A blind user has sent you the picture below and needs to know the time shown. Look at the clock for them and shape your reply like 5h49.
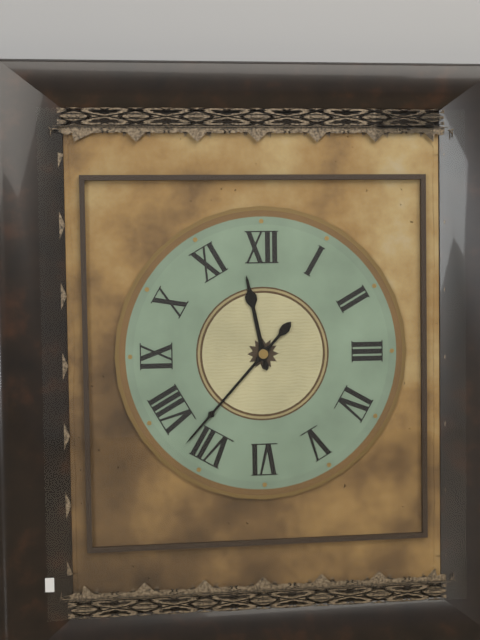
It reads 11h37
